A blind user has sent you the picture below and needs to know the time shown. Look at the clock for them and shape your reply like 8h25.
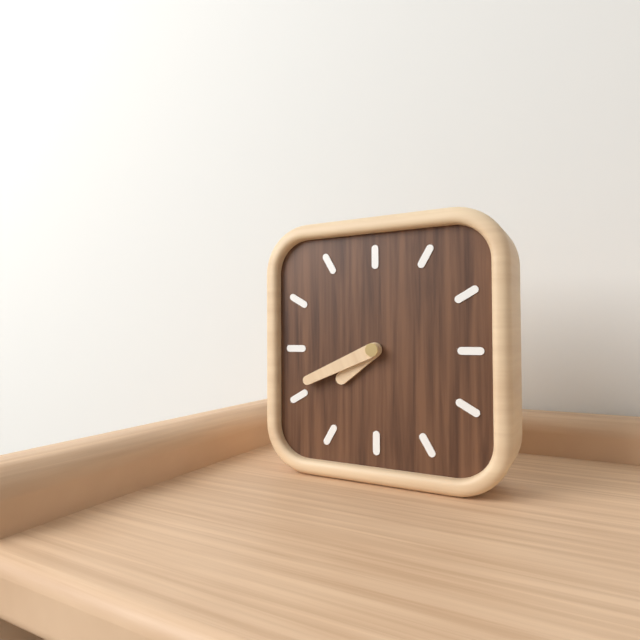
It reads 7h41
